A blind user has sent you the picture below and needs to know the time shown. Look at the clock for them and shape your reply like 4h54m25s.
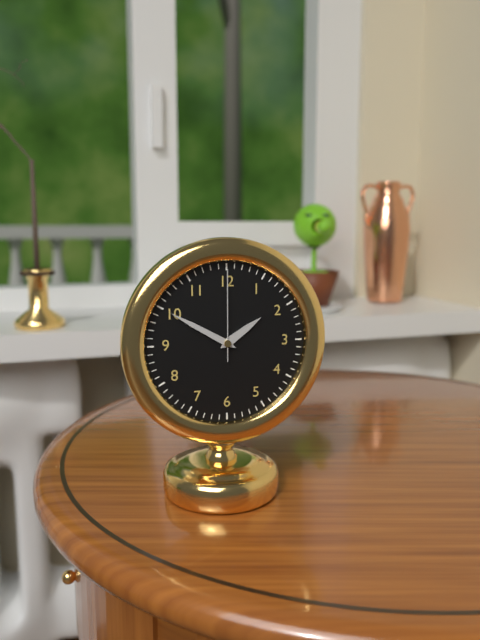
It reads 1h50m00s
